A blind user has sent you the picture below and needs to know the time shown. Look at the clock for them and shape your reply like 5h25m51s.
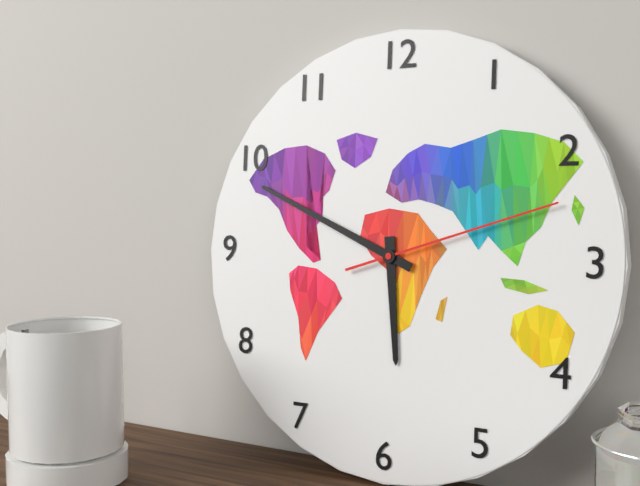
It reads 5h49m12s
